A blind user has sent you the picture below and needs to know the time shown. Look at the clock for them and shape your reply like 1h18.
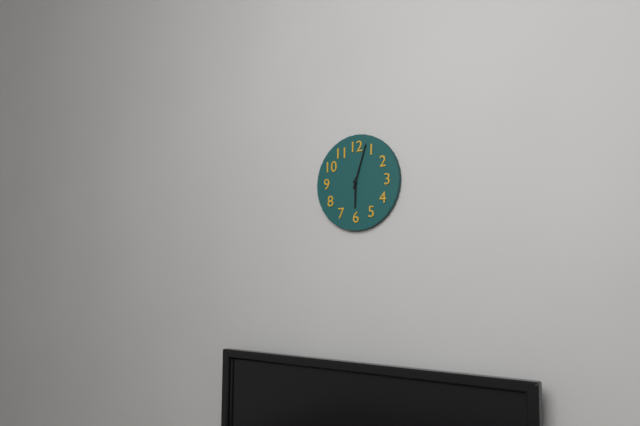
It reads 6h03
